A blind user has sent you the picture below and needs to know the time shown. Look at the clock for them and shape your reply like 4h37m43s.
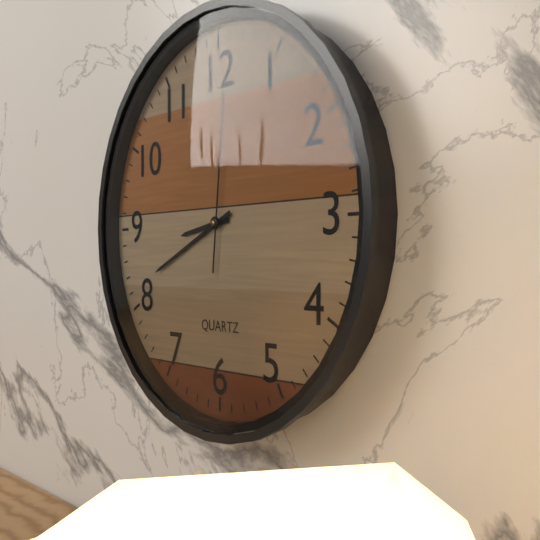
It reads 8h41m01s
